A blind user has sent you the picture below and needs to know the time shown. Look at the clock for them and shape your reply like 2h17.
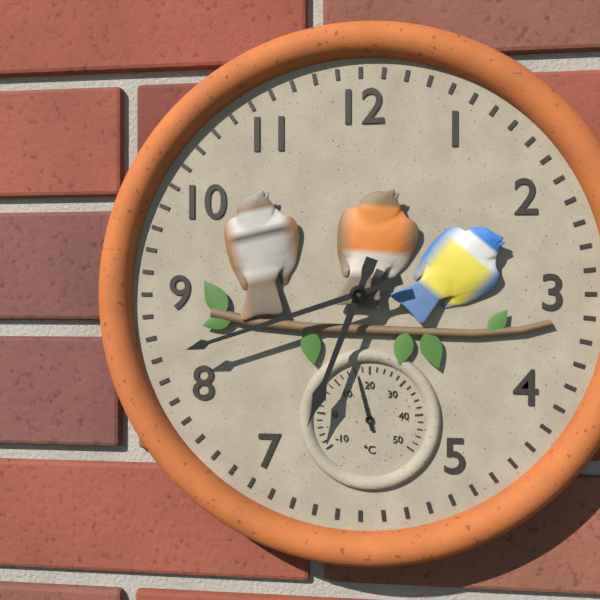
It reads 6h42
